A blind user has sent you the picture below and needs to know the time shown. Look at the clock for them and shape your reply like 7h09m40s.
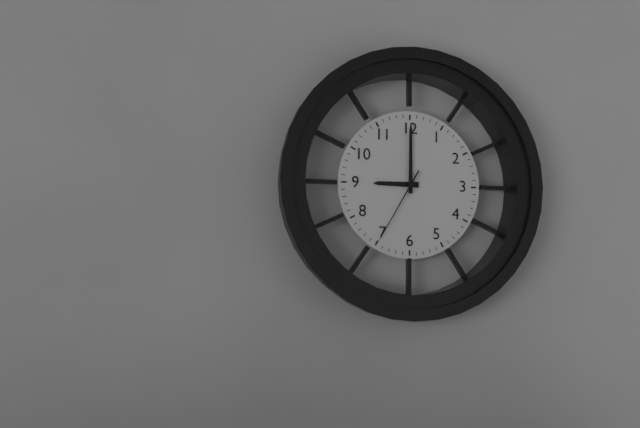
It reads 9h00m35s
